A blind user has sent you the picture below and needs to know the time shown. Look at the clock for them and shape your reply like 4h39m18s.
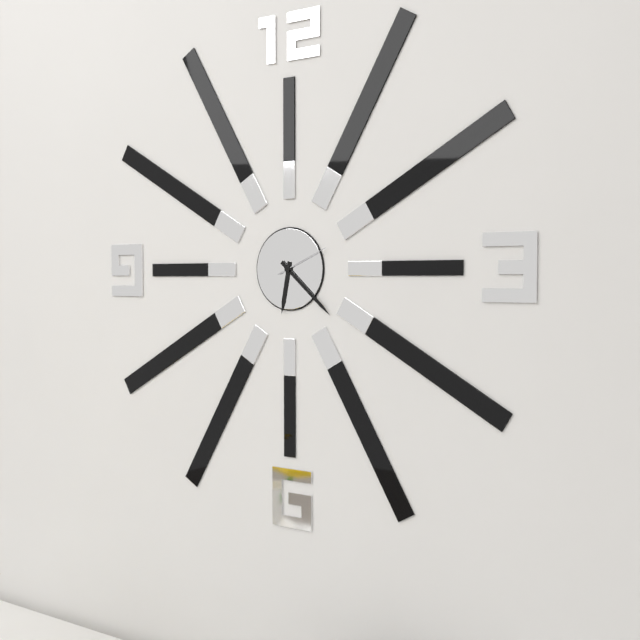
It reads 6h22m11s
